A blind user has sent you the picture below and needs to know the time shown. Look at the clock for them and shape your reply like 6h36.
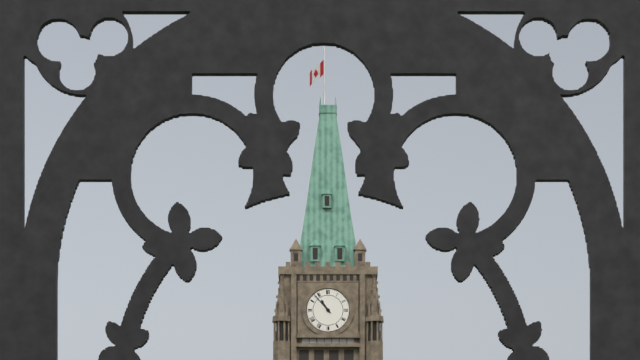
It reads 10h53
